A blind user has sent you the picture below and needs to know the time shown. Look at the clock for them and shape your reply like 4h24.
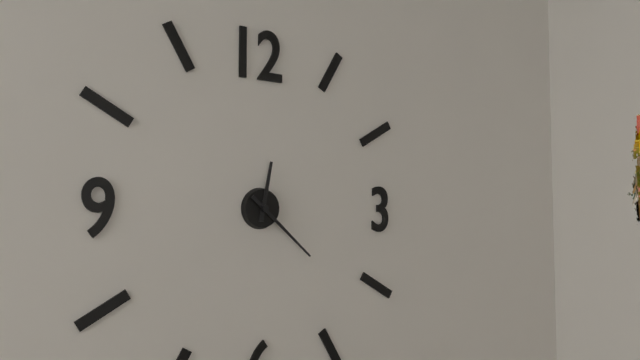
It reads 12h22
